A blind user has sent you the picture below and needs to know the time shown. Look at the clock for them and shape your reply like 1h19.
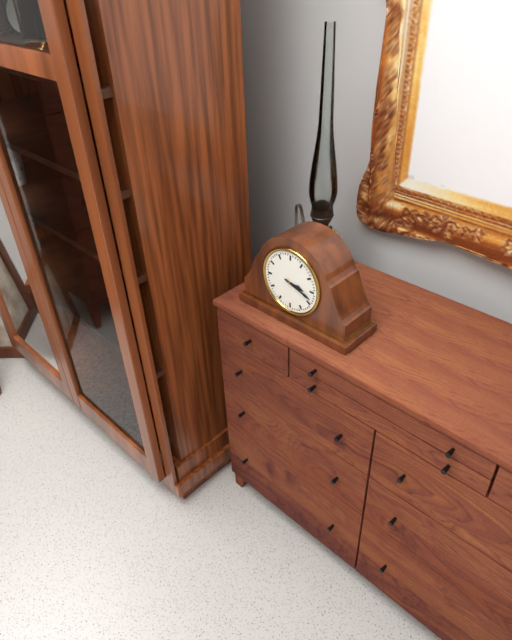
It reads 3h18
